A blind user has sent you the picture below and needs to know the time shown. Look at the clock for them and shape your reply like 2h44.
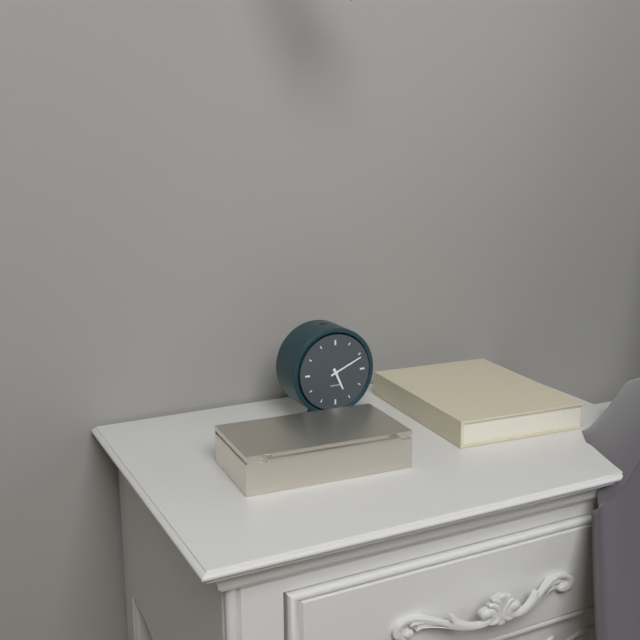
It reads 5h11
